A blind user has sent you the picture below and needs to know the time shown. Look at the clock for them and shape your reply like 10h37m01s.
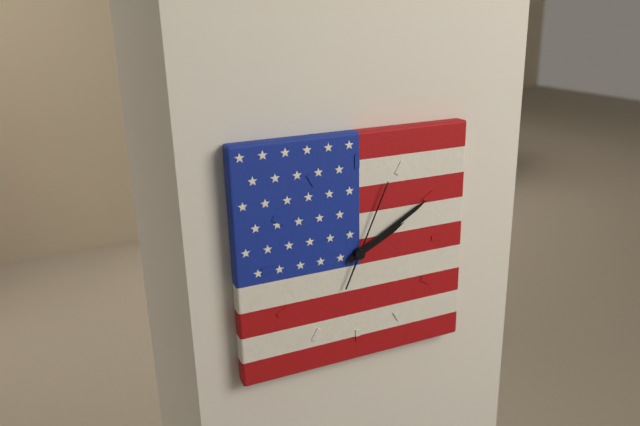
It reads 2h10m04s
